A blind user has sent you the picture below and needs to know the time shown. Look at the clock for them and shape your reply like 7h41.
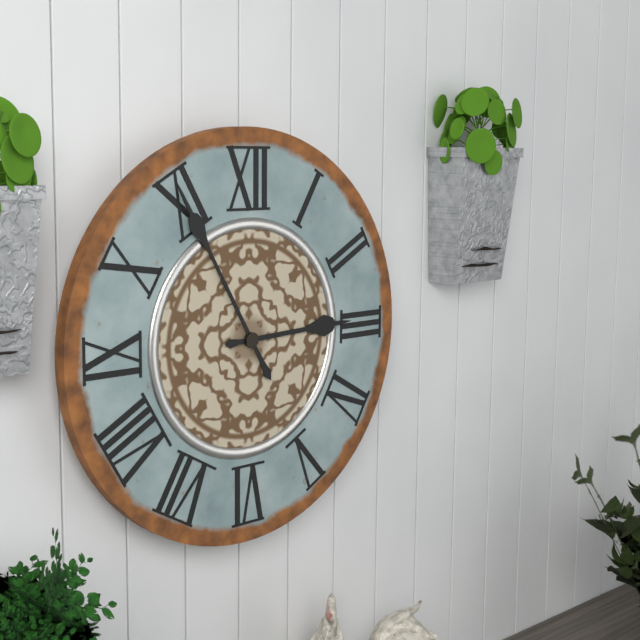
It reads 2h55
